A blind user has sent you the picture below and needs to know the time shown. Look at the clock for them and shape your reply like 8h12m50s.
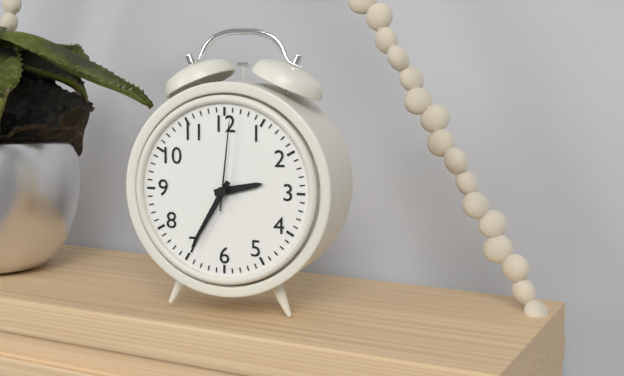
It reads 2h35m01s
